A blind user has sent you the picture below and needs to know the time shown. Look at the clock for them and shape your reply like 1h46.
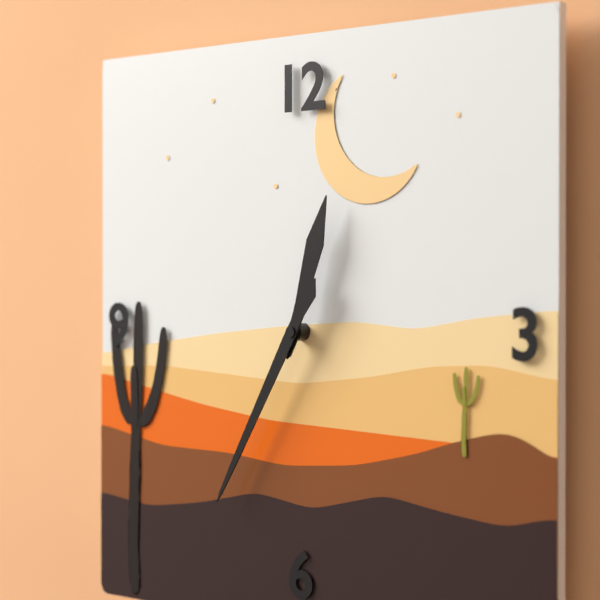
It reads 12h35
